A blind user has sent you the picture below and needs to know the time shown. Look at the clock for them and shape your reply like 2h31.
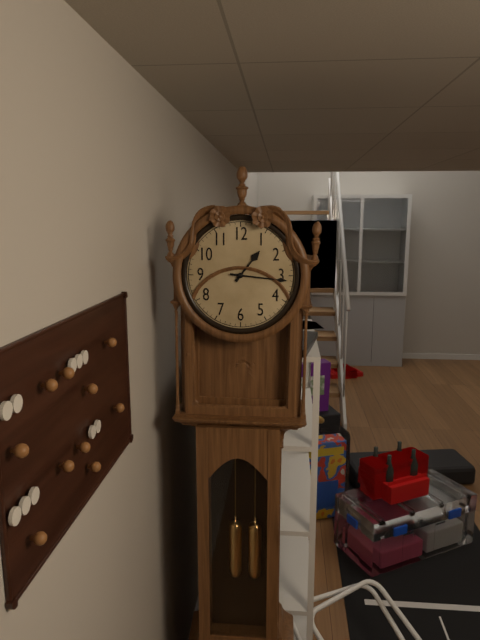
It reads 1h16
